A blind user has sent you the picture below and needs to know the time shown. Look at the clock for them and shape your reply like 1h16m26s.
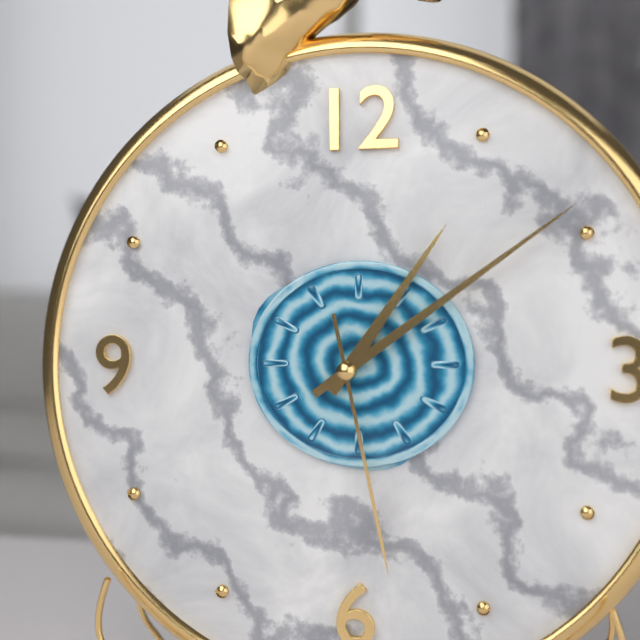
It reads 1h09m28s
